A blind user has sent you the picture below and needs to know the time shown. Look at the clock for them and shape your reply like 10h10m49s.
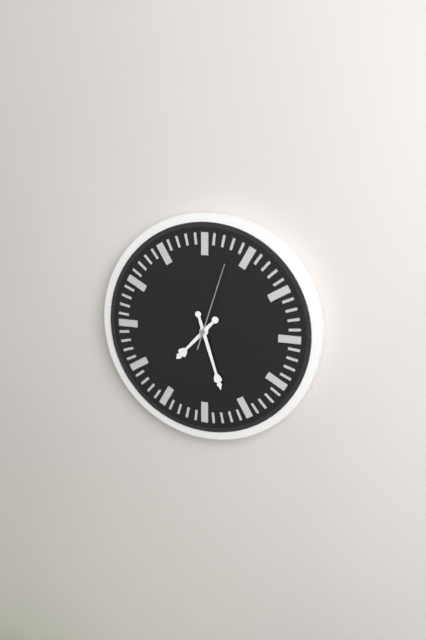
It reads 7h27m03s
